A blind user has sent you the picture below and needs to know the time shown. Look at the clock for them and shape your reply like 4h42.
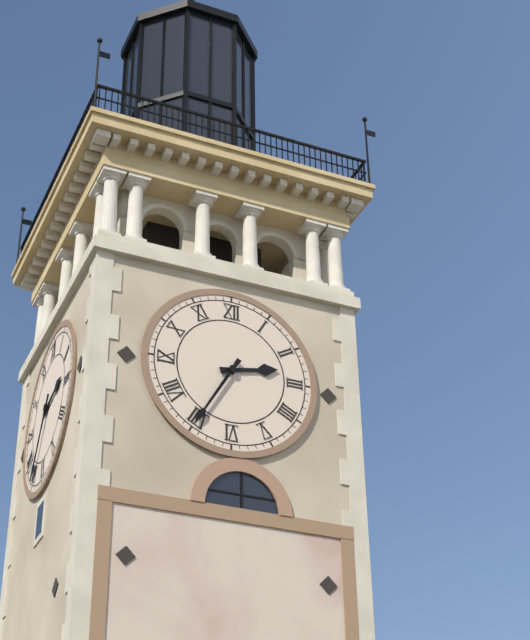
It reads 2h35
